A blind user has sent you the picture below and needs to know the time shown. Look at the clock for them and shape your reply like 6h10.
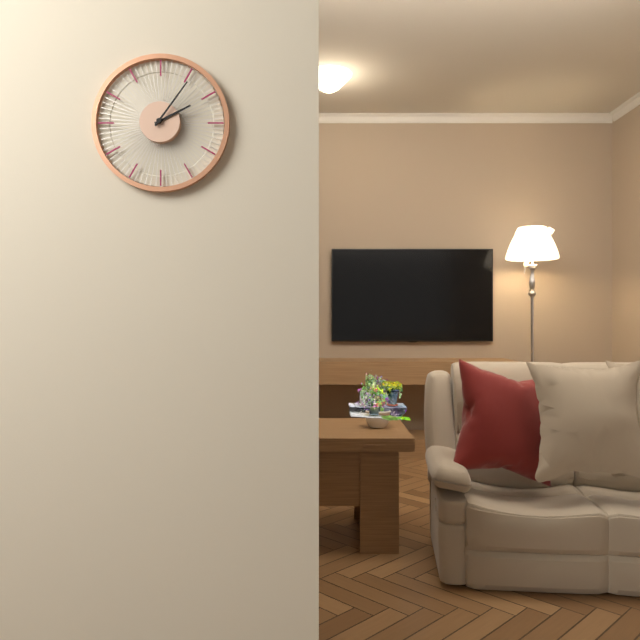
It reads 2h06
